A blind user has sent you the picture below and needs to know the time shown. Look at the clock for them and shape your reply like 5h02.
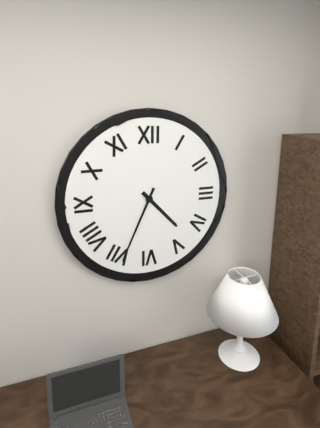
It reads 4h34
